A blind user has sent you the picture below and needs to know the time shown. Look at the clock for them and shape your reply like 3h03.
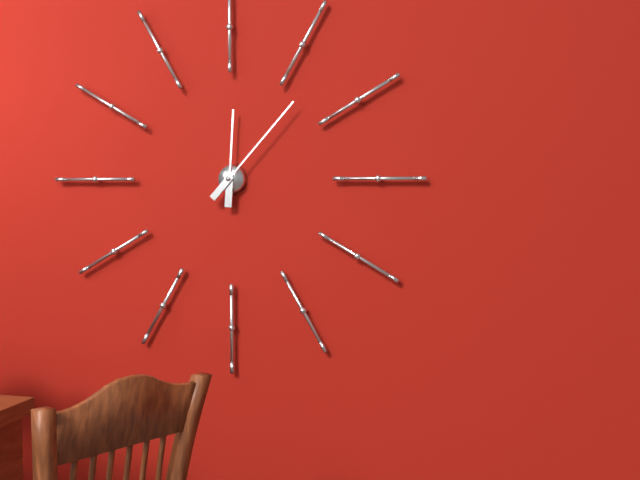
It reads 12h07
